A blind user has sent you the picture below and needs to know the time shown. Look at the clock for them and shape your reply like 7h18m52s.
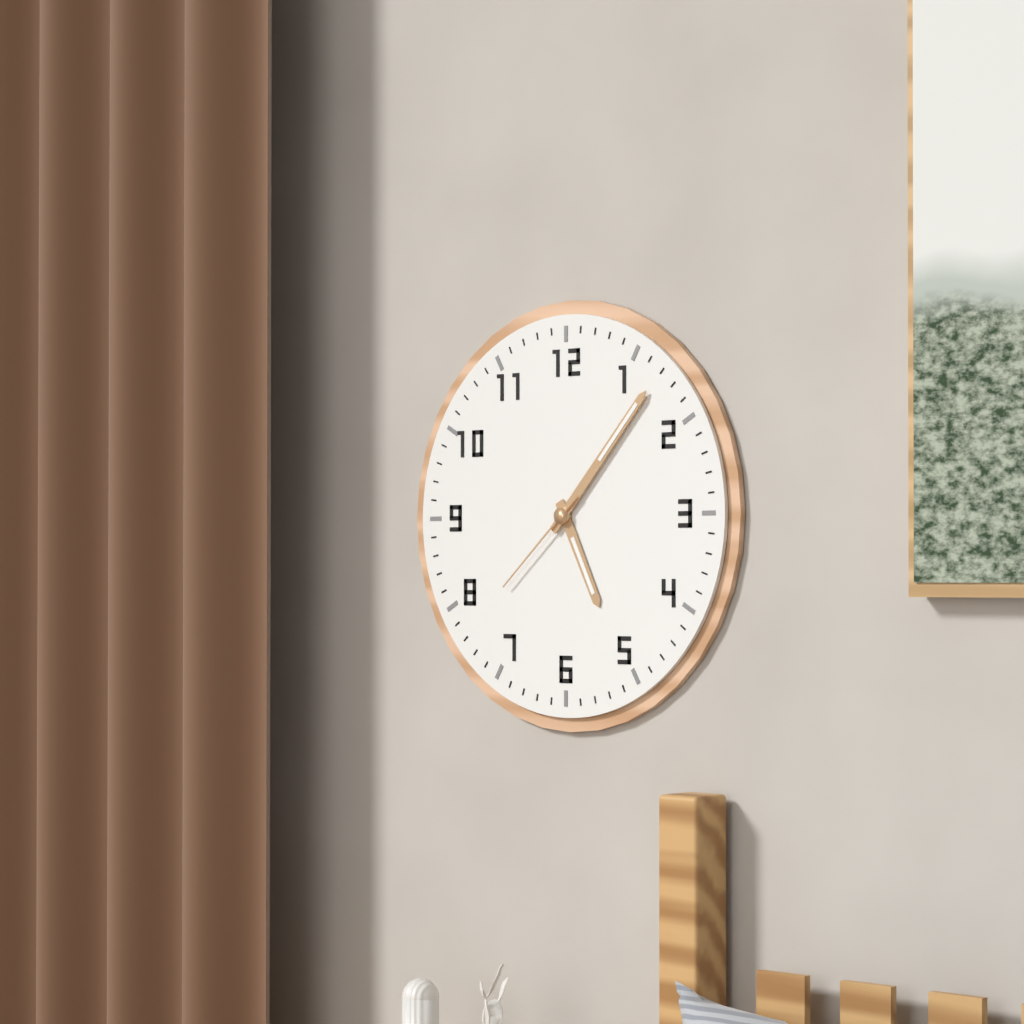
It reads 5h07m38s
